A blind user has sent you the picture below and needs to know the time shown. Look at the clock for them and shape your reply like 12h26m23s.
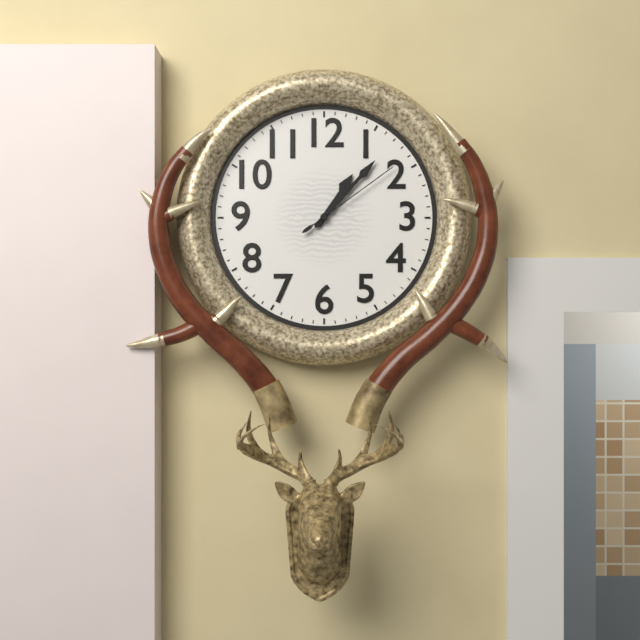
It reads 1h07m09s
